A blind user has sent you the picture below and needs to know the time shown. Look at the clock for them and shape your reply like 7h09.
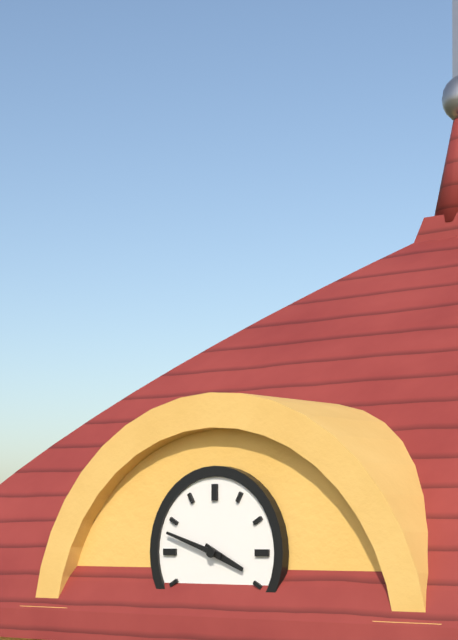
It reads 3h48
